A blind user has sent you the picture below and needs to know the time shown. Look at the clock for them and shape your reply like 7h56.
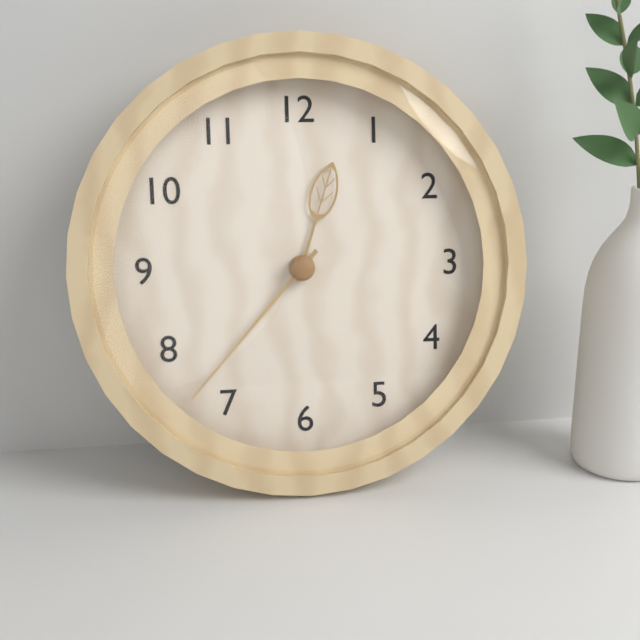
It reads 12h37
